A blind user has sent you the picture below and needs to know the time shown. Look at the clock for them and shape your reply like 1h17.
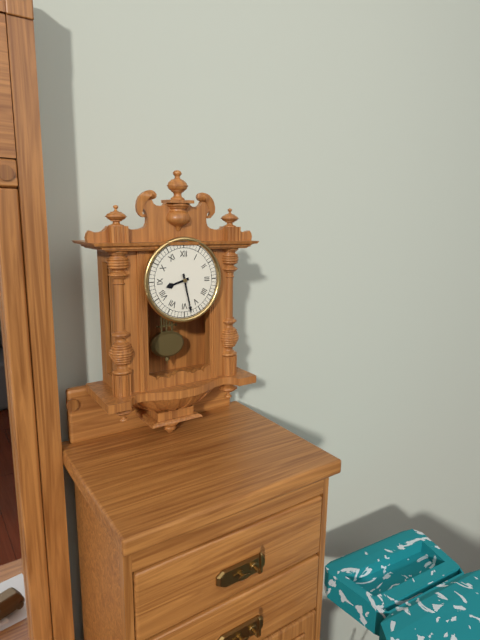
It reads 8h28
